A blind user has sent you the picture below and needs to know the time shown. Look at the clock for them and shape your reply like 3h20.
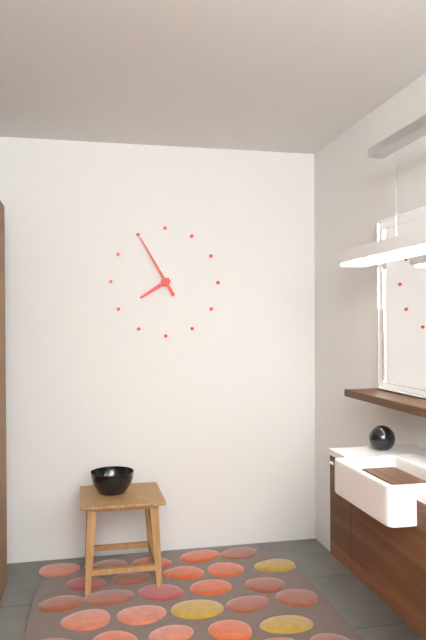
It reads 7h55
